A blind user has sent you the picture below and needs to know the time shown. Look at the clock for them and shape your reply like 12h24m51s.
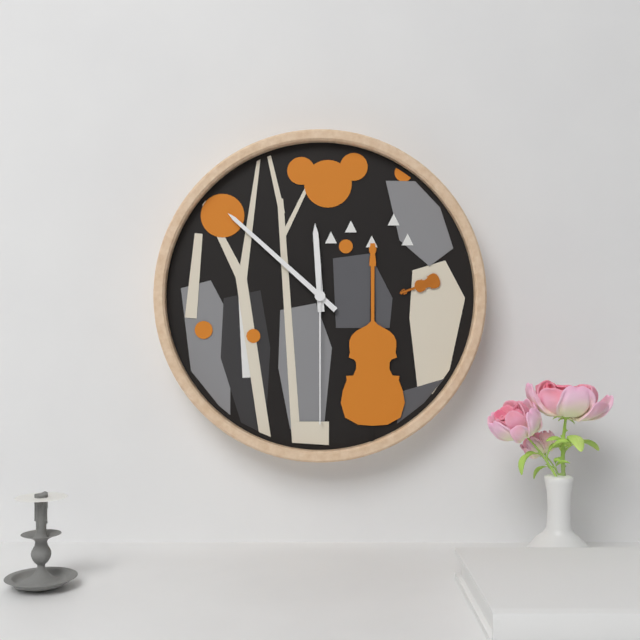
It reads 11h52m30s
